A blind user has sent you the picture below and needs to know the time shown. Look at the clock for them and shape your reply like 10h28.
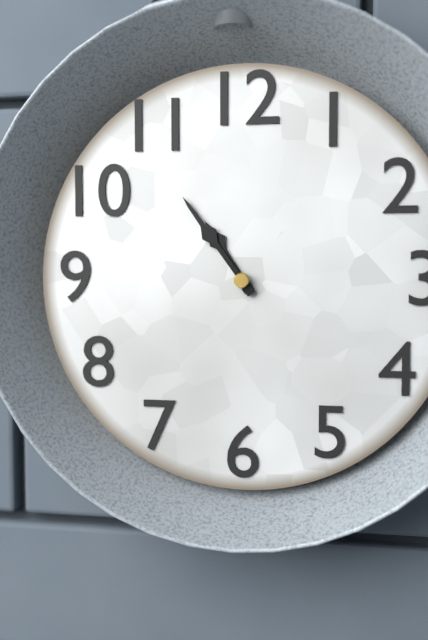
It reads 10h54
